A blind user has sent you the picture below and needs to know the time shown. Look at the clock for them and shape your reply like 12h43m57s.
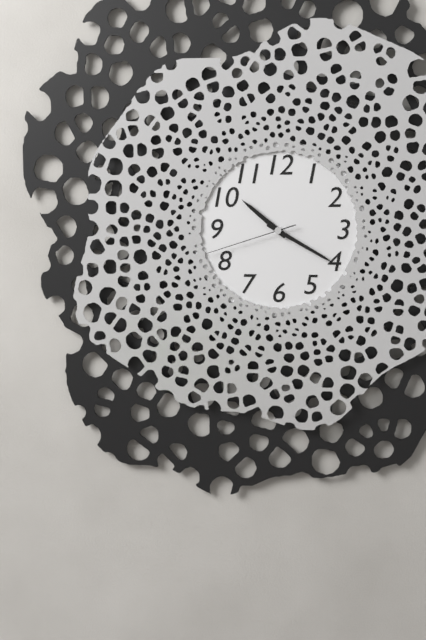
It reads 10h20m42s
